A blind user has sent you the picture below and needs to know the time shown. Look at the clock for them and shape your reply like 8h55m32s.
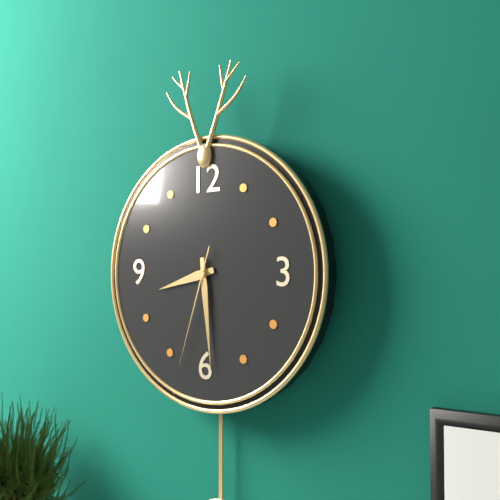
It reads 8h29m33s
